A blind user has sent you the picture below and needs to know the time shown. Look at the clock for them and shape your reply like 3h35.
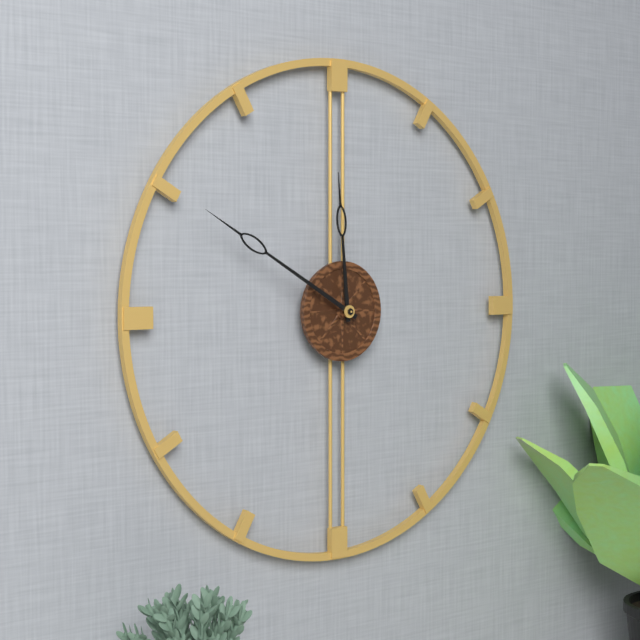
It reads 11h50
